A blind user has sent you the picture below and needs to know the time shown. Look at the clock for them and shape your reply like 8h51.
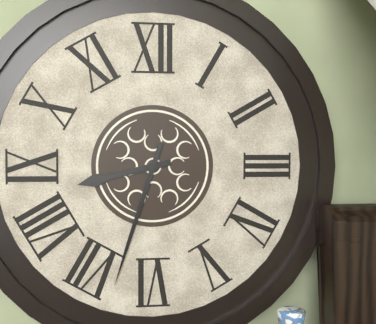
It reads 8h33
